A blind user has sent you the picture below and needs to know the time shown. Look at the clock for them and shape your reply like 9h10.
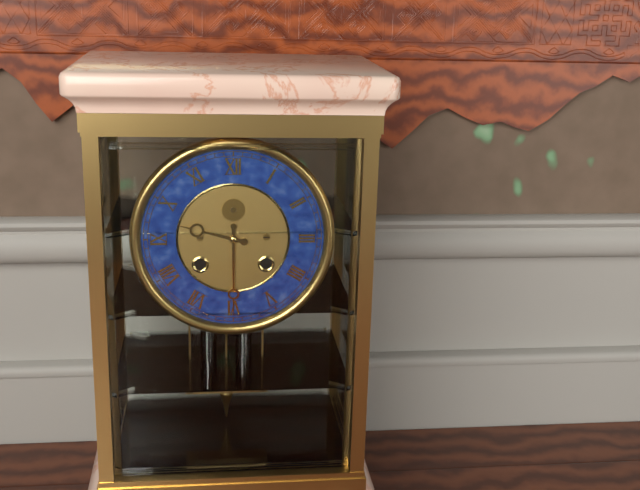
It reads 9h30
